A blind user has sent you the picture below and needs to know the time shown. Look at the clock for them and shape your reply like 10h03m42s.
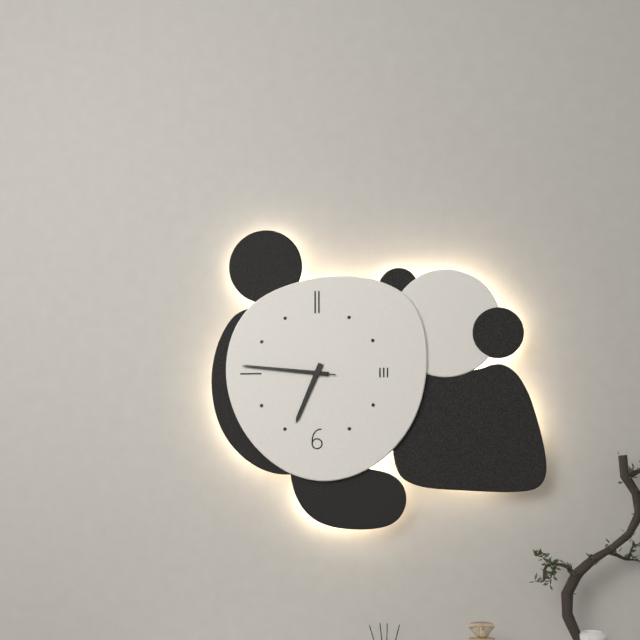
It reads 6h46m46s
